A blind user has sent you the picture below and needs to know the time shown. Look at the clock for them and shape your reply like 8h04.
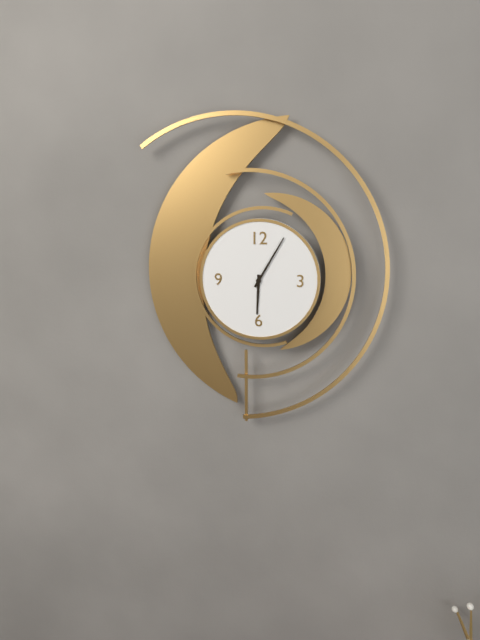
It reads 6h05
